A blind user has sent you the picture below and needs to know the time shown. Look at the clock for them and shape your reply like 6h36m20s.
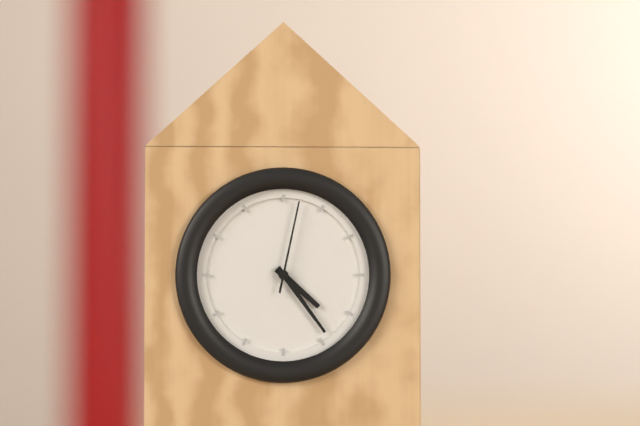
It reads 4h24m02s
